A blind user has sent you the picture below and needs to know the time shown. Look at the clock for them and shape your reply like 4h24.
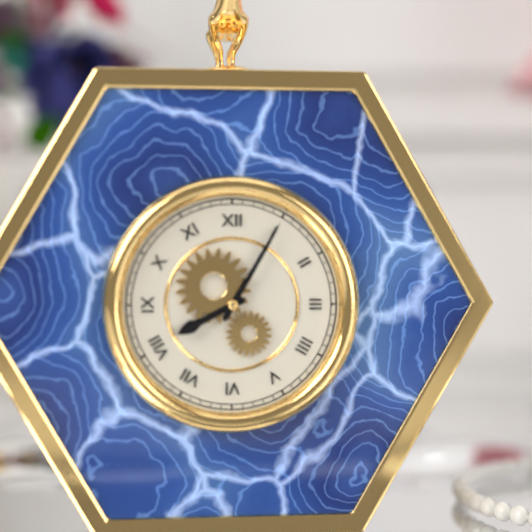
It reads 8h05
